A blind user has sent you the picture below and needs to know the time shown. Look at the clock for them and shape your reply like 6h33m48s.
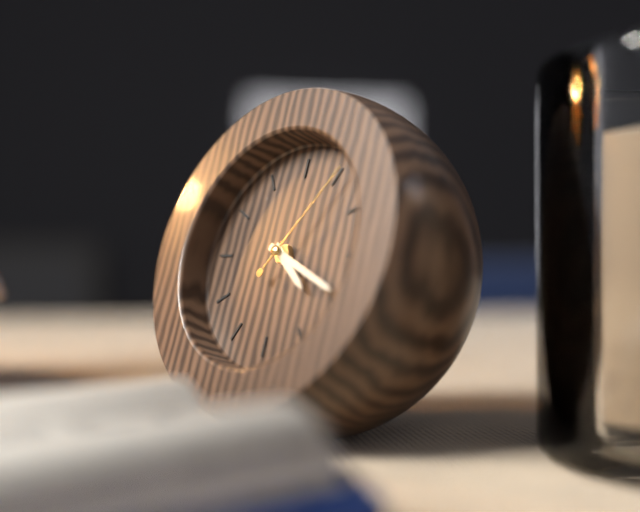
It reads 4h19m06s
